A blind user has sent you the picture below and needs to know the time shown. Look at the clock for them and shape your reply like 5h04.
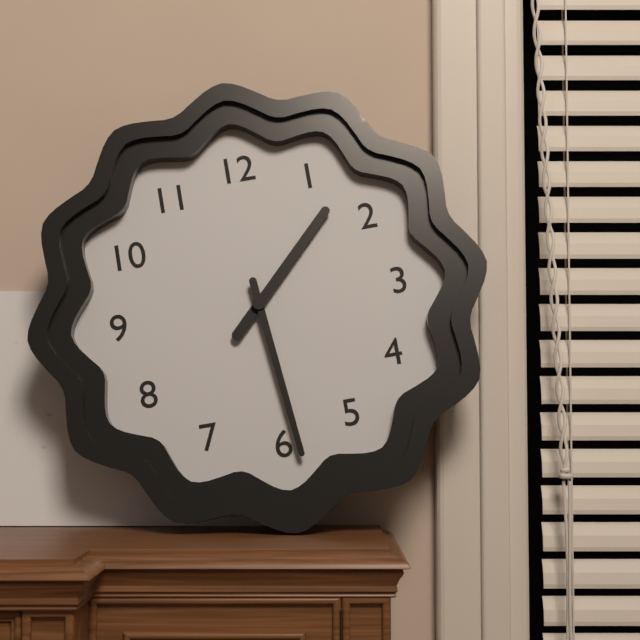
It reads 1h29
